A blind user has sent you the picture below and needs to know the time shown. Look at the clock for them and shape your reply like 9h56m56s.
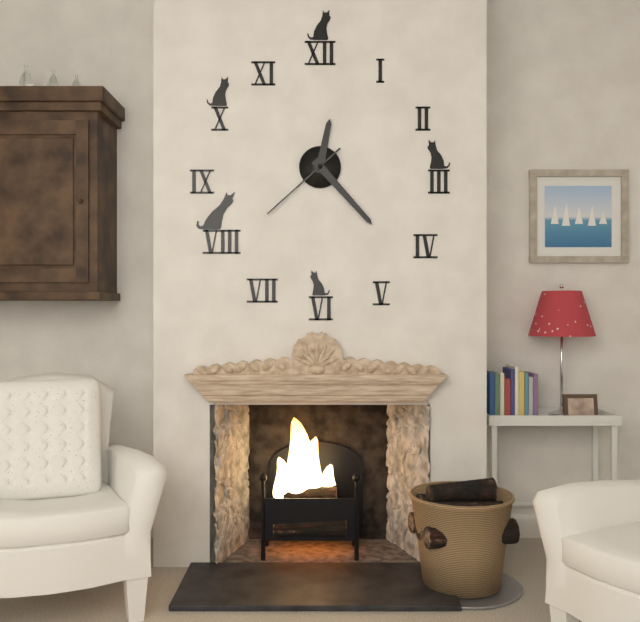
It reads 12h23m38s
